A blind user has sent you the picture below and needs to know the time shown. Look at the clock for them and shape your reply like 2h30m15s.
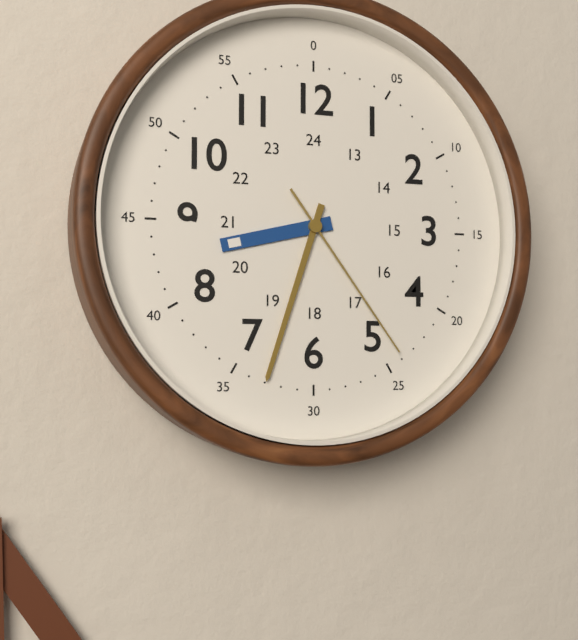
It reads 8h33m24s
